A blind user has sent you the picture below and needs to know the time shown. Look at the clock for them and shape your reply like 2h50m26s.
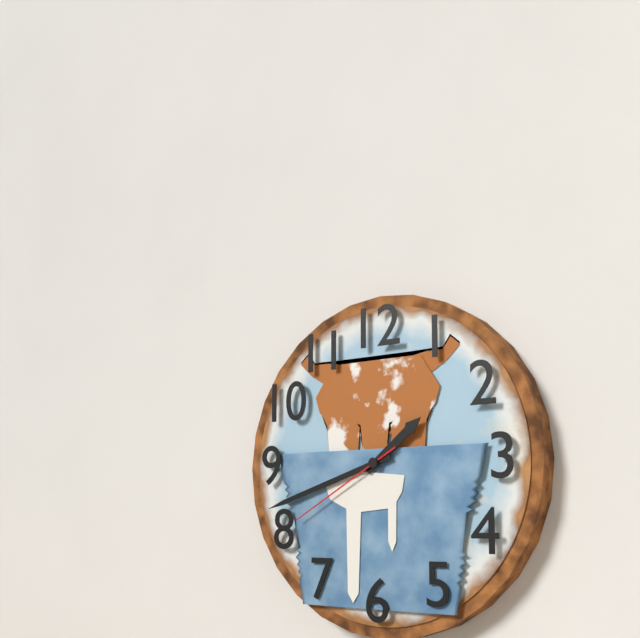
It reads 1h42m40s
